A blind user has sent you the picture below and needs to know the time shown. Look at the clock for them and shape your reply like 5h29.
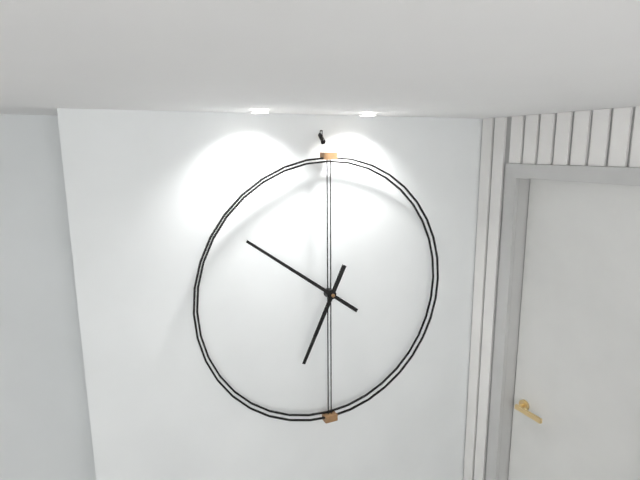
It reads 6h51
